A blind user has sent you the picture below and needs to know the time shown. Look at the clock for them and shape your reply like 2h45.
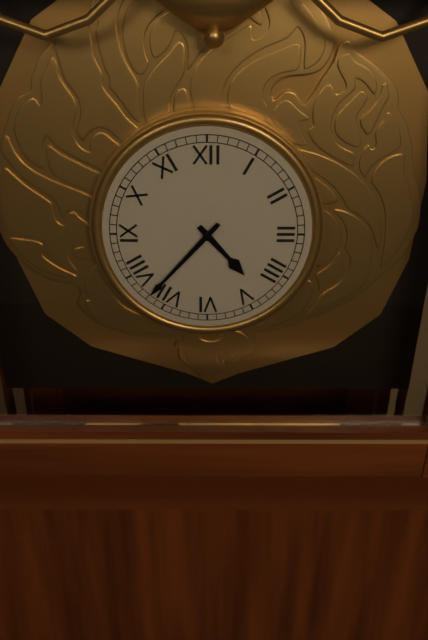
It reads 4h37
